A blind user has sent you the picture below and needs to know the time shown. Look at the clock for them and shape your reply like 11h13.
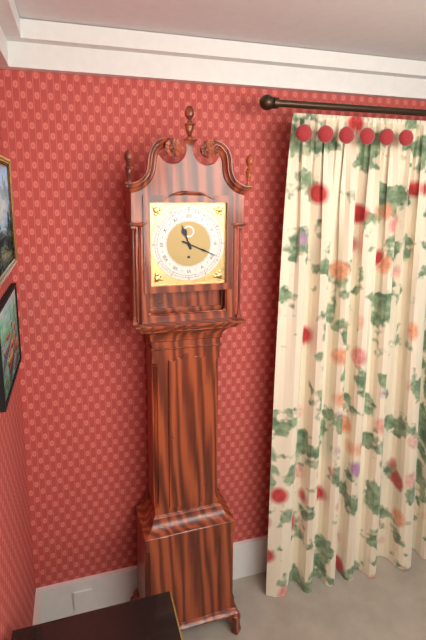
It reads 11h19
